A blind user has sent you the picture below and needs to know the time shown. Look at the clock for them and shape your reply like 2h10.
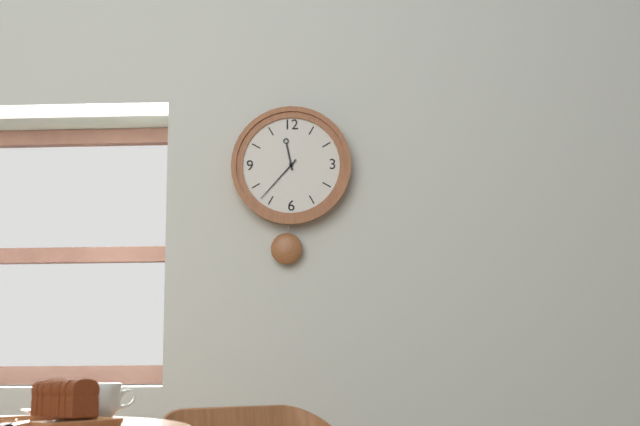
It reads 11h37
